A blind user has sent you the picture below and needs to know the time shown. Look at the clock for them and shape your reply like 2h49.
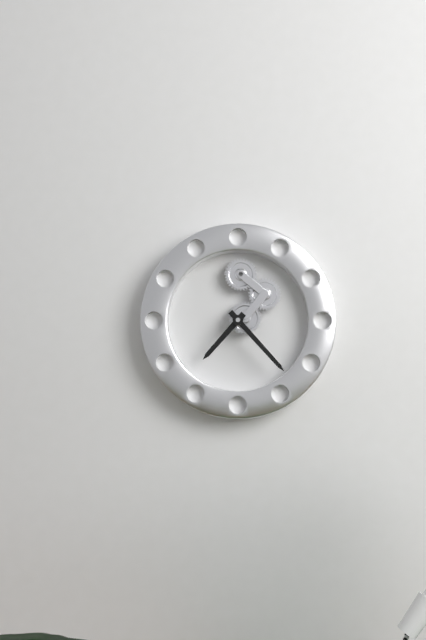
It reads 7h23
